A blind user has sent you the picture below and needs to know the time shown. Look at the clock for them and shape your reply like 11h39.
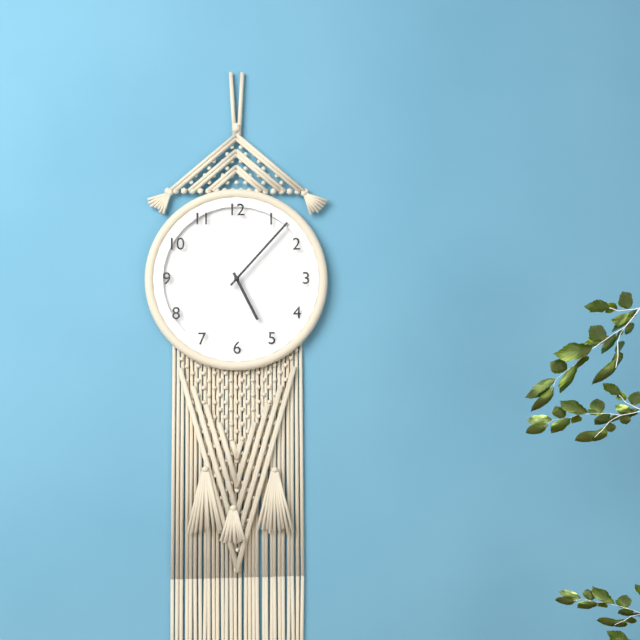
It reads 5h07
